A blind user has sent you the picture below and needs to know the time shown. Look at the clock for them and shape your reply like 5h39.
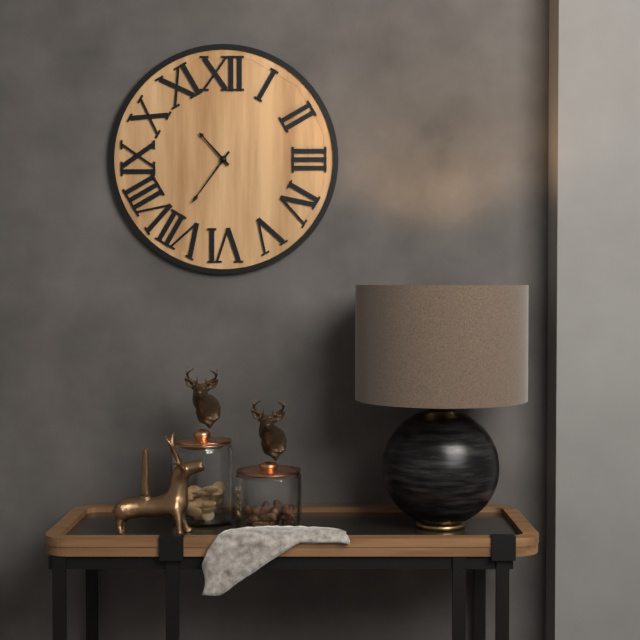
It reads 10h36
